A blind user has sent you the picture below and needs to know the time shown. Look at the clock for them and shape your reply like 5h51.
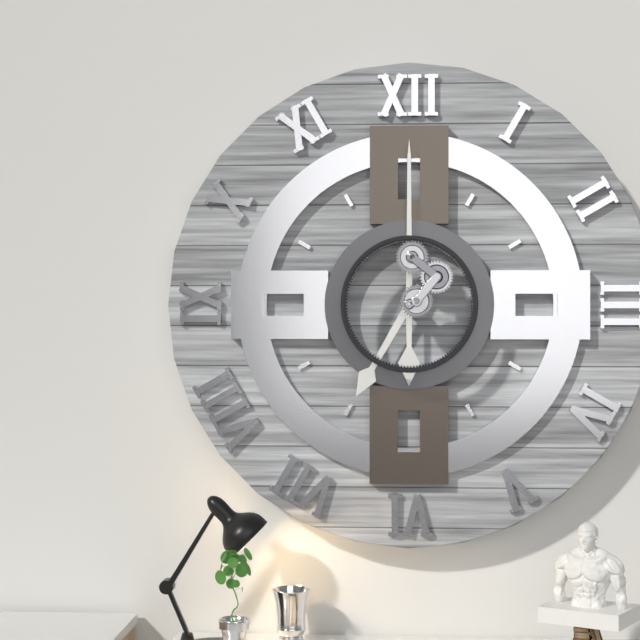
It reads 7h00
